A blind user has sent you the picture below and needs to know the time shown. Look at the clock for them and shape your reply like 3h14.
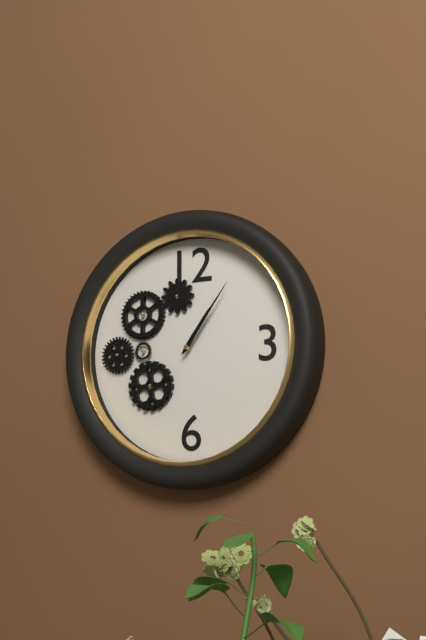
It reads 1h06
